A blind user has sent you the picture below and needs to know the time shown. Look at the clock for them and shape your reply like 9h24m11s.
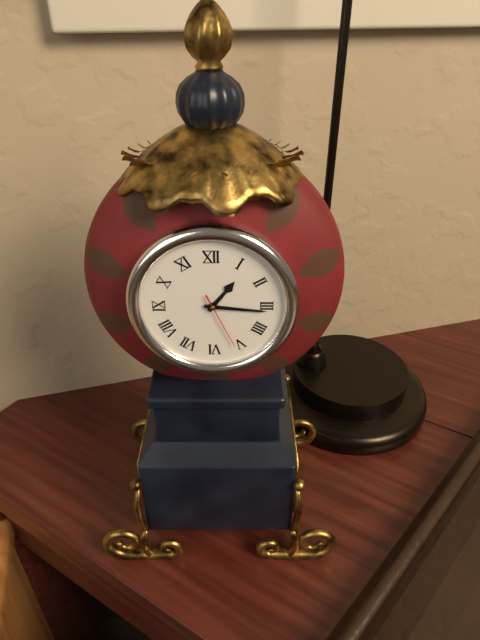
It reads 1h16m26s
